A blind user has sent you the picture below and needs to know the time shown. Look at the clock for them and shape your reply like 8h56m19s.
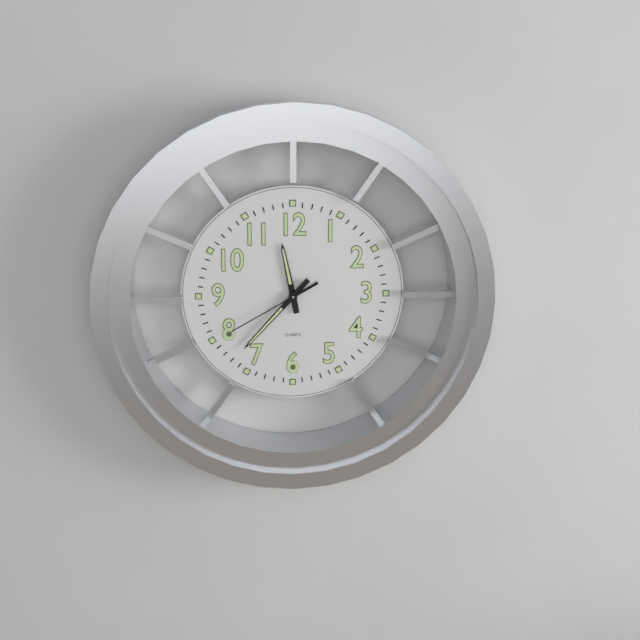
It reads 11h37m40s
